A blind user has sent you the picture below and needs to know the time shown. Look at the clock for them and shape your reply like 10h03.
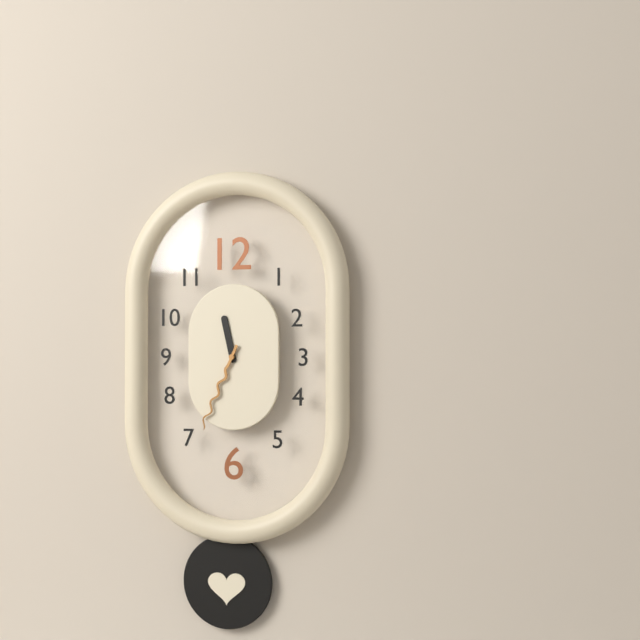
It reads 11h34
